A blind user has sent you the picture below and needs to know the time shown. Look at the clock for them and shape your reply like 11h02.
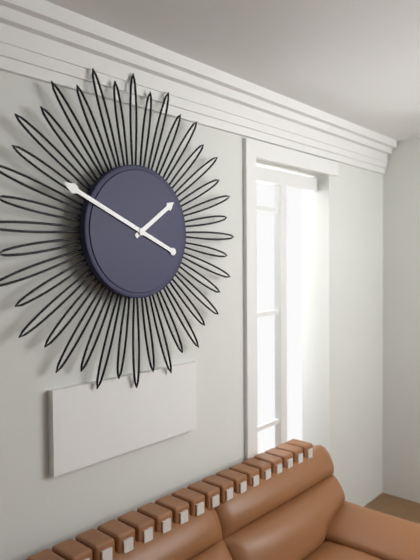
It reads 1h49
